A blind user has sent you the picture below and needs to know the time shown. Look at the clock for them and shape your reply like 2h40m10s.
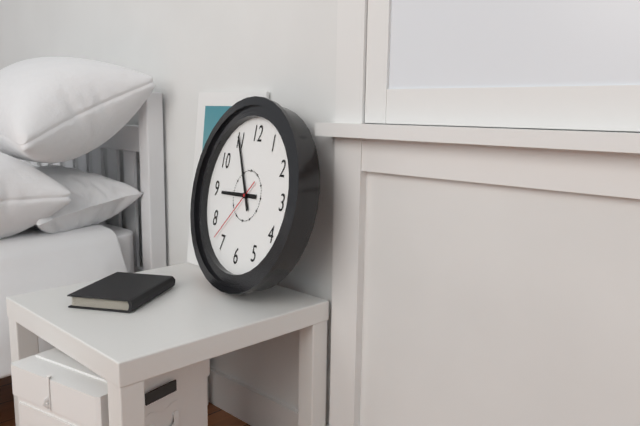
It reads 8h55m37s
